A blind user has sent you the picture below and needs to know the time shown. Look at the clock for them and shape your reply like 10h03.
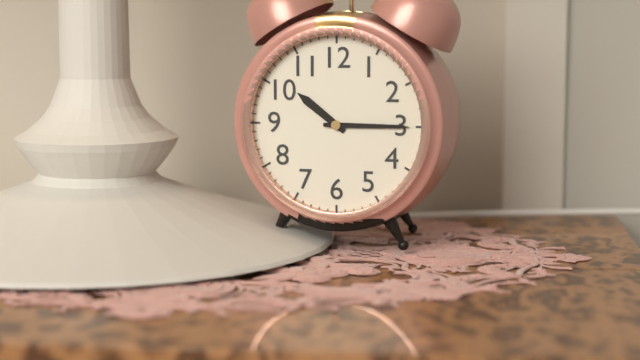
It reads 10h15
